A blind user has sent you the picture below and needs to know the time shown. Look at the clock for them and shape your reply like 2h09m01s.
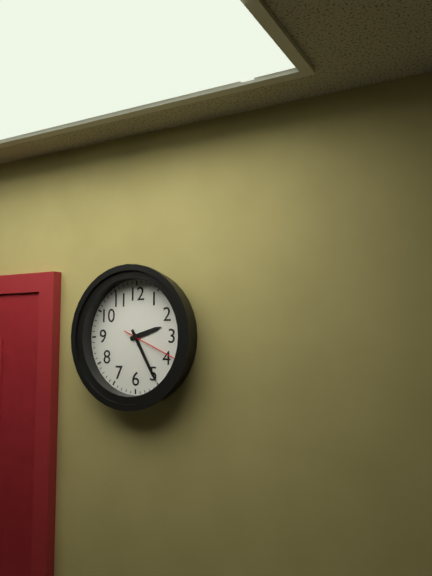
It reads 2h25m19s
